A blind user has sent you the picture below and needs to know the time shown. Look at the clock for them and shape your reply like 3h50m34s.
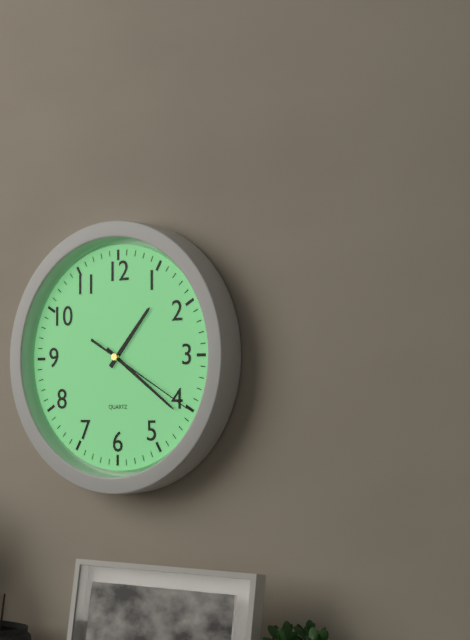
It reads 1h21m20s
